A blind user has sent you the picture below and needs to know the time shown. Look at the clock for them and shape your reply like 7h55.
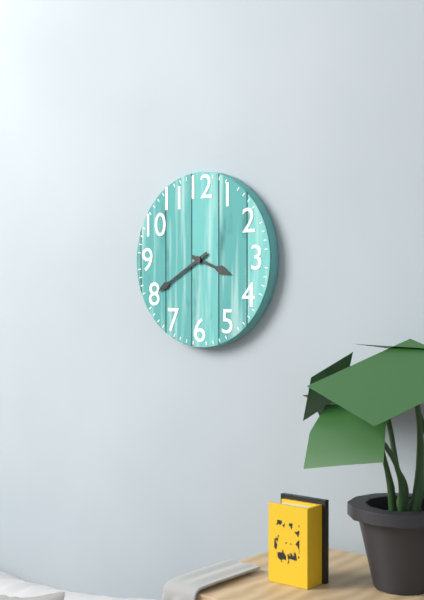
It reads 3h40
